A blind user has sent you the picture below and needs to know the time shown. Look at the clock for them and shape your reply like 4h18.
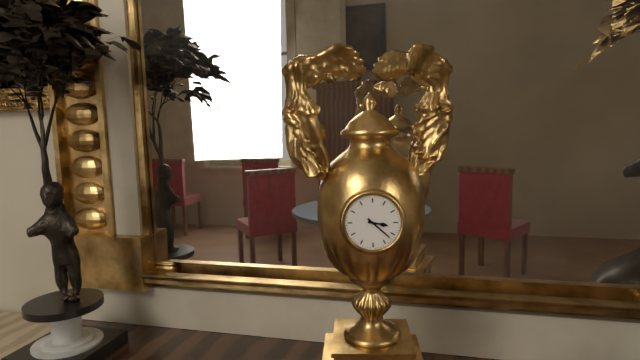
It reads 3h22
